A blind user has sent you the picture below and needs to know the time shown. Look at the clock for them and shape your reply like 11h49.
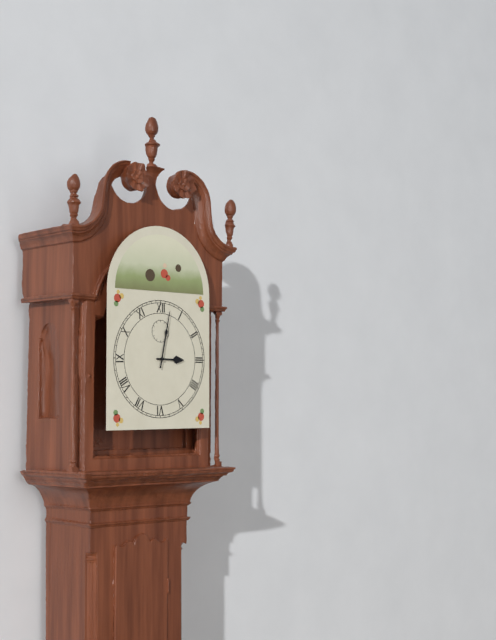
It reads 3h02
